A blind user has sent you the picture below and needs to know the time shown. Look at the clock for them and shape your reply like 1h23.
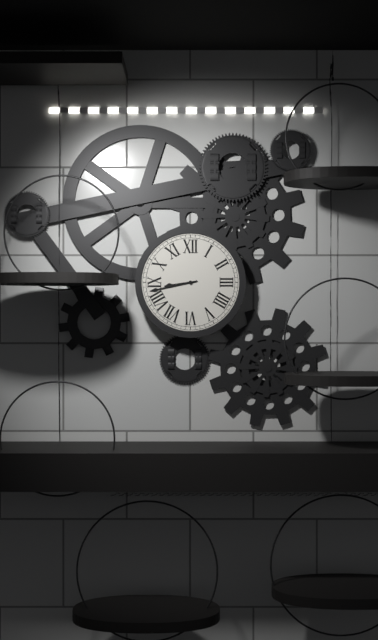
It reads 8h43
